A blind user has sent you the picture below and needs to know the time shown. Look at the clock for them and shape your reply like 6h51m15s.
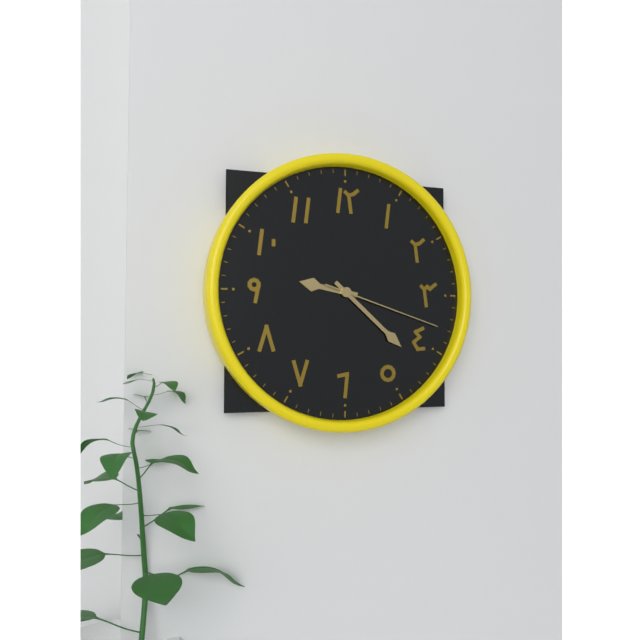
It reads 9h22m18s
